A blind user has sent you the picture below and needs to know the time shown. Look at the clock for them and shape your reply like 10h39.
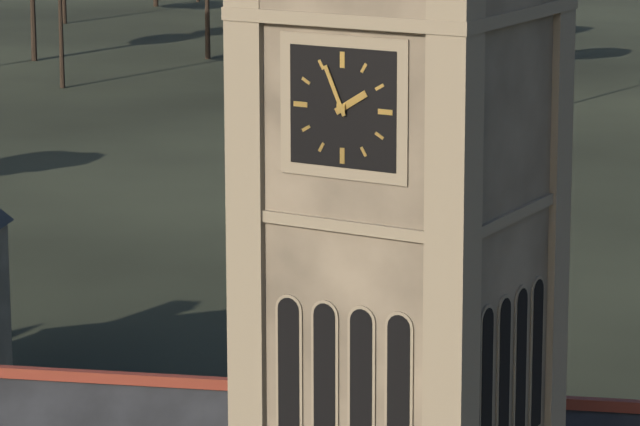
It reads 1h56
